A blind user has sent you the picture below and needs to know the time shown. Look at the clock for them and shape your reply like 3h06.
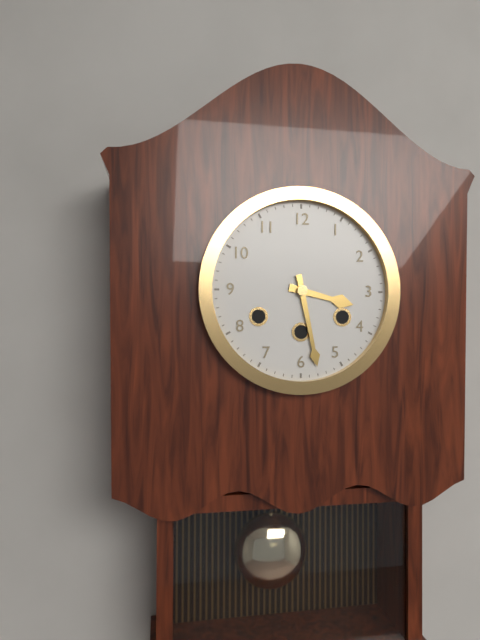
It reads 3h28
